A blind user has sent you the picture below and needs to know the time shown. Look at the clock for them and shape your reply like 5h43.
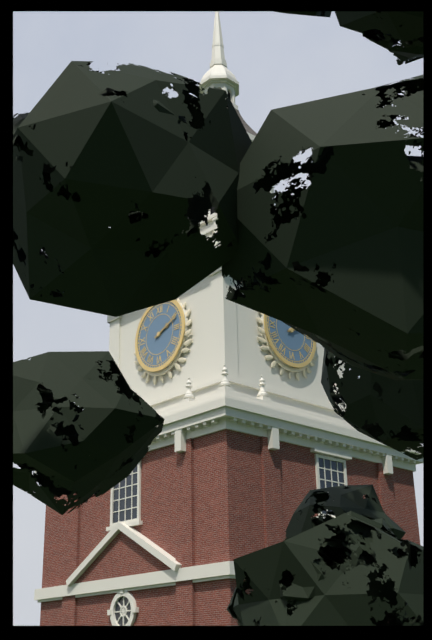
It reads 2h11
